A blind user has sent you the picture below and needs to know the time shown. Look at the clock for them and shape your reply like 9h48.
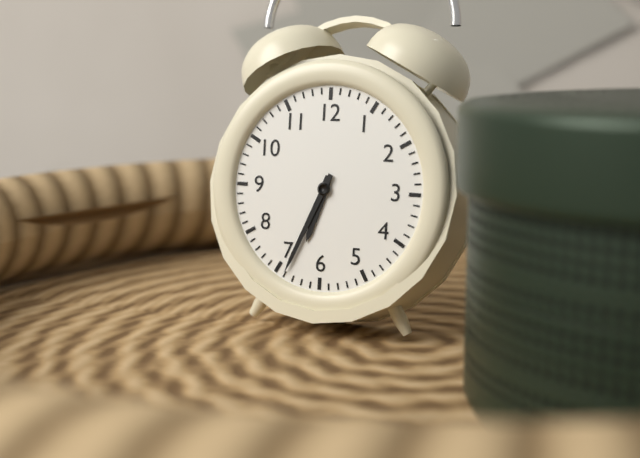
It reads 6h34
